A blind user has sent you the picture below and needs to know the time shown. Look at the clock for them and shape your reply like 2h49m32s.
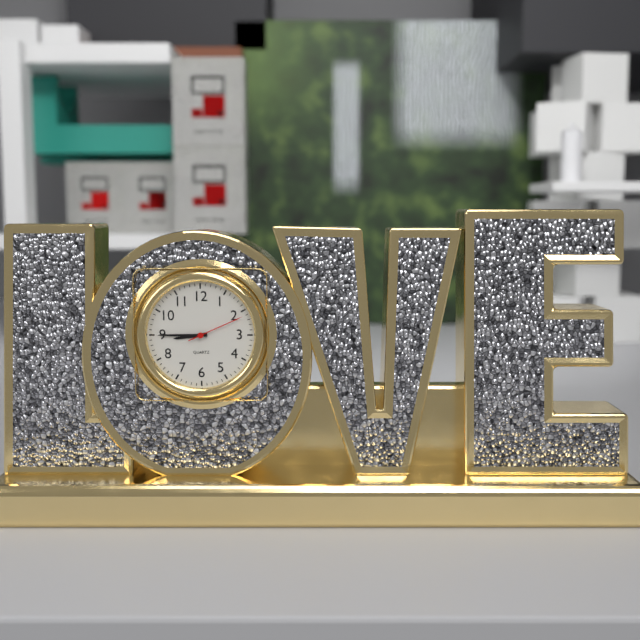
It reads 8h45m11s
